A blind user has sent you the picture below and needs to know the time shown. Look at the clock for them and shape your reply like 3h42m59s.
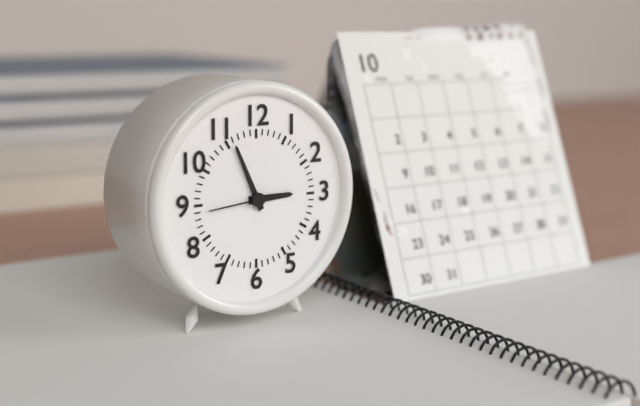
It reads 2h56m44s
